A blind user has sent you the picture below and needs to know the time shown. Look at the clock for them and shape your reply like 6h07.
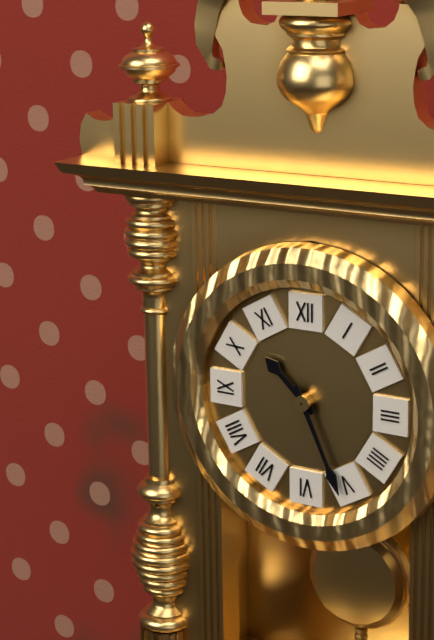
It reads 10h26
